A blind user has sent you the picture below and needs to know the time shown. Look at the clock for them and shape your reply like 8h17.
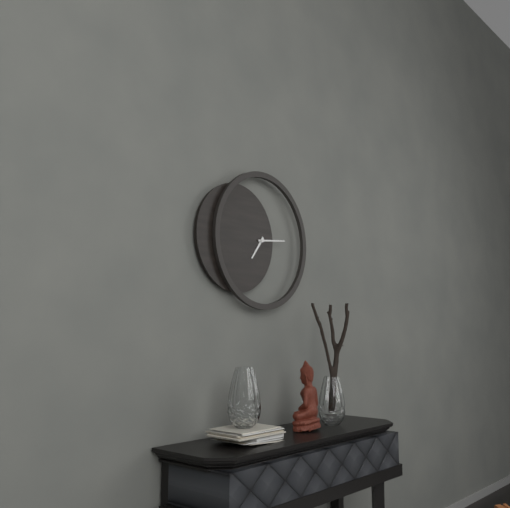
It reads 7h14
